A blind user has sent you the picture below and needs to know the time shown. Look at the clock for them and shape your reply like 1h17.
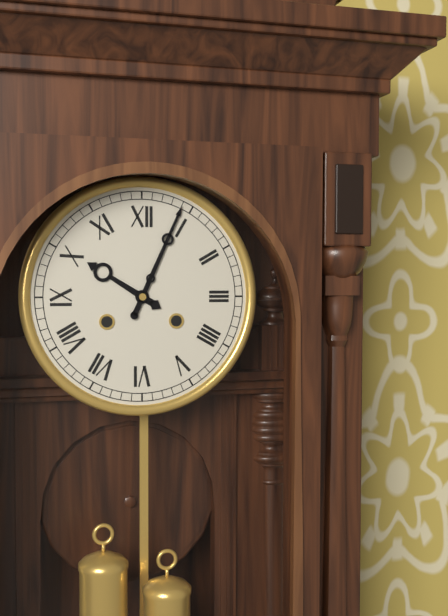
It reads 10h04
